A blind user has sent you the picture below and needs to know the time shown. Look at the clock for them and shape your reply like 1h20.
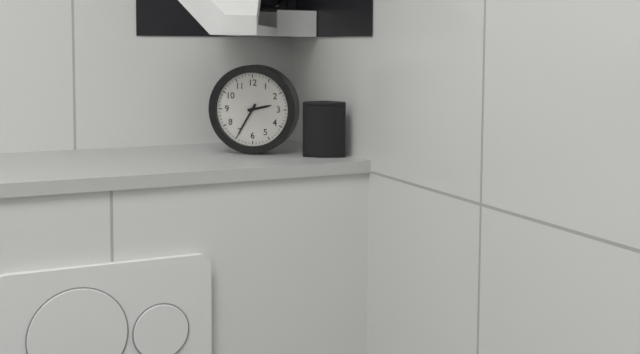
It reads 2h35
